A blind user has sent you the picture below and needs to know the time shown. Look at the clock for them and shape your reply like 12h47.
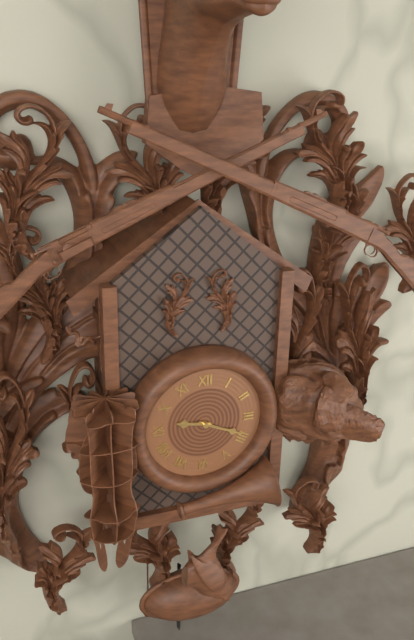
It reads 9h19
